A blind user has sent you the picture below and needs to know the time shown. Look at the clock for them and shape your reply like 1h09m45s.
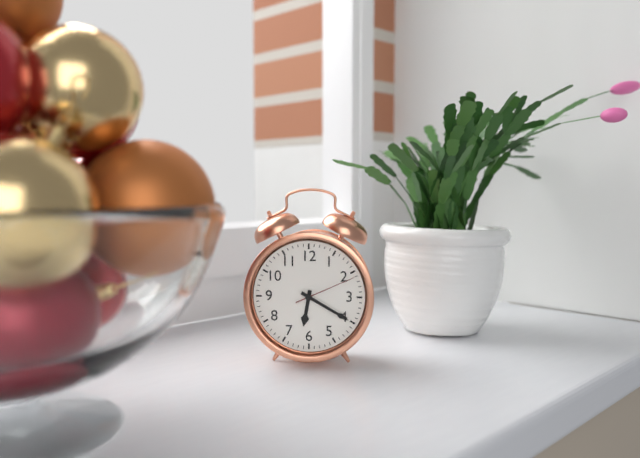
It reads 6h20m11s
